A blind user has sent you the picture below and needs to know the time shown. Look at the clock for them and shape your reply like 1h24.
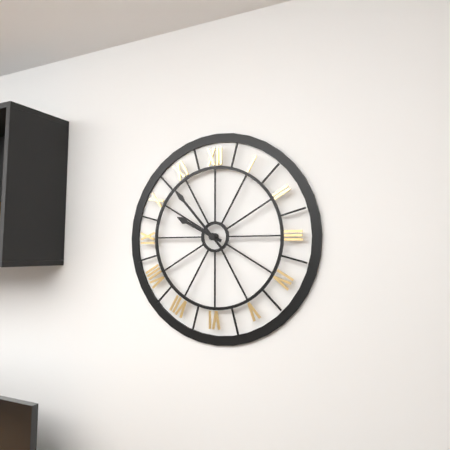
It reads 9h53
